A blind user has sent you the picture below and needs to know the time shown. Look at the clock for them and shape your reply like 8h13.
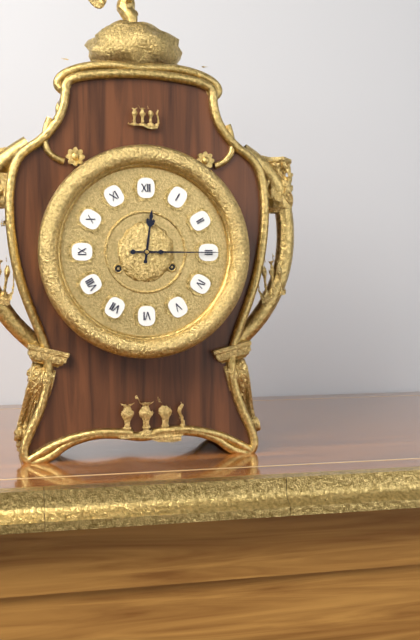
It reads 12h15
